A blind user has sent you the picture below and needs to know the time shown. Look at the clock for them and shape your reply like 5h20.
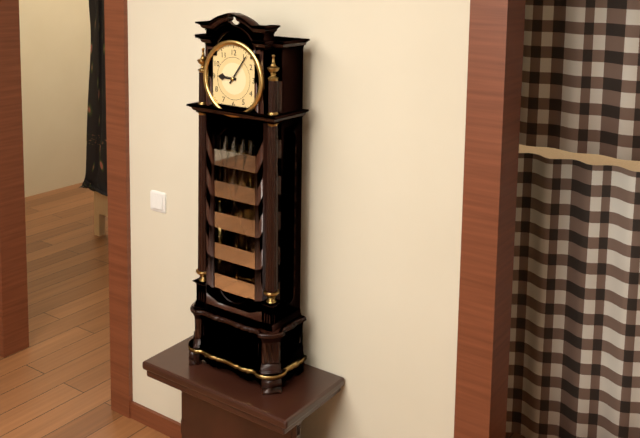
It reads 9h06
